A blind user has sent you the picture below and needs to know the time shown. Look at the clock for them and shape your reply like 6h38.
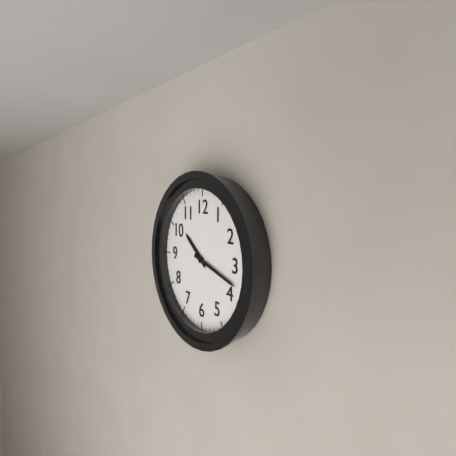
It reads 10h18
